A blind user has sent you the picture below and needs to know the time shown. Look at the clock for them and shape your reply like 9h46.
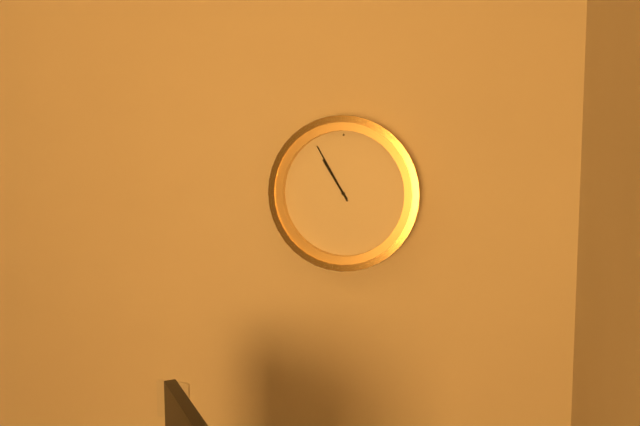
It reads 10h55
